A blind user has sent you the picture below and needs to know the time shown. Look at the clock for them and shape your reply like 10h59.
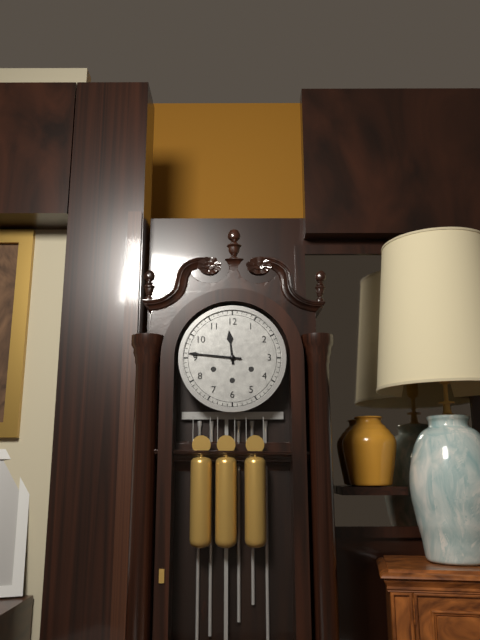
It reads 11h46
